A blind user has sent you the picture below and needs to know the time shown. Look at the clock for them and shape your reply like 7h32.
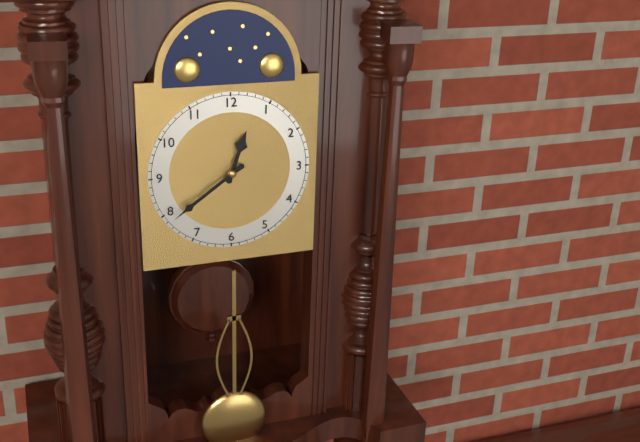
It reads 12h39
